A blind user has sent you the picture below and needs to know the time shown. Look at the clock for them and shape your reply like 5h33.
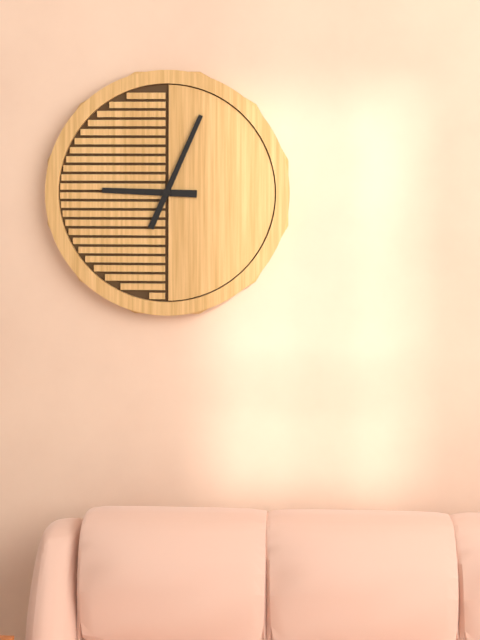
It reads 9h04
